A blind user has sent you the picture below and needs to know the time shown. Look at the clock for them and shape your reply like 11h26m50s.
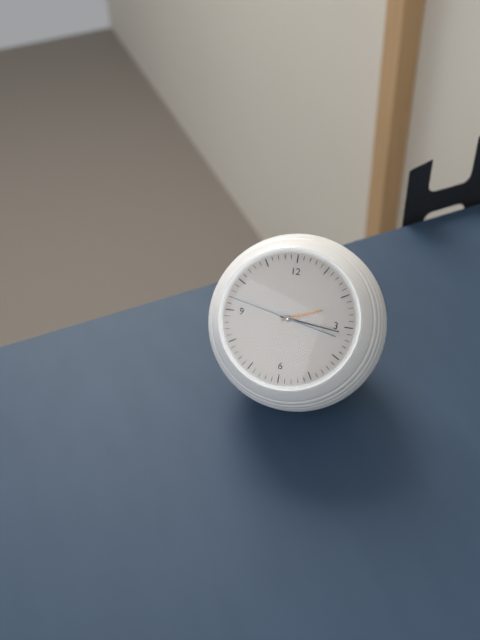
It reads 2h16m47s
